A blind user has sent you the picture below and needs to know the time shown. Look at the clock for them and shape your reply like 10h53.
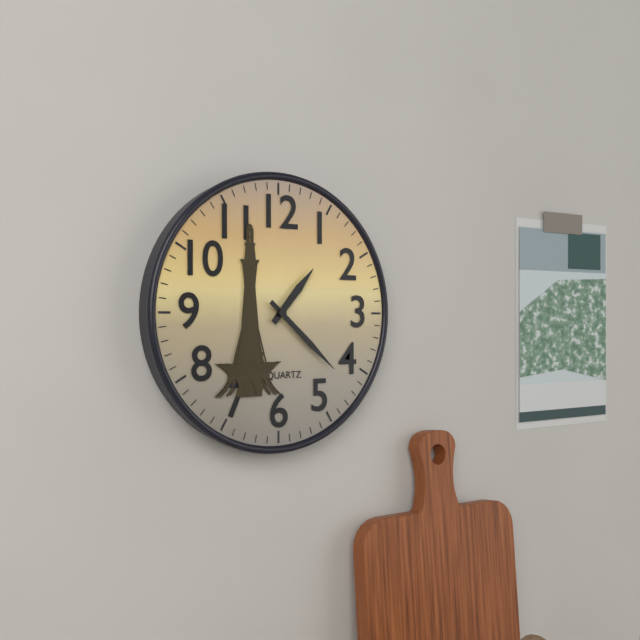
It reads 1h22
